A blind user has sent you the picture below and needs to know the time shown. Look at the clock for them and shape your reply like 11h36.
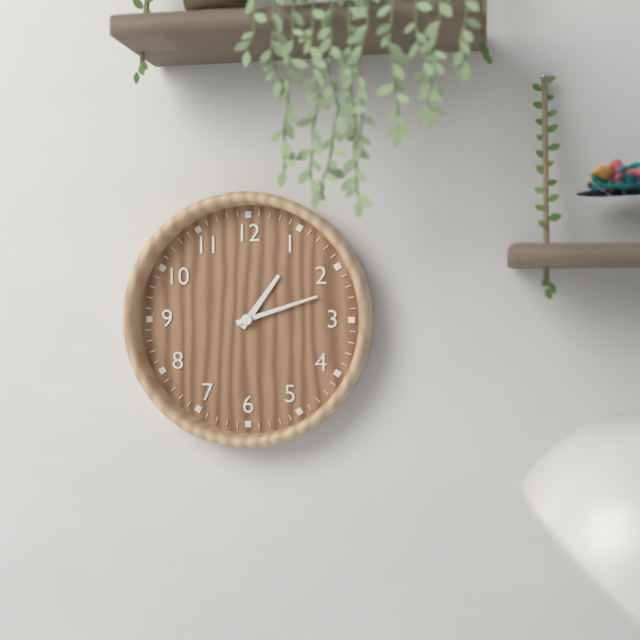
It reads 1h12
